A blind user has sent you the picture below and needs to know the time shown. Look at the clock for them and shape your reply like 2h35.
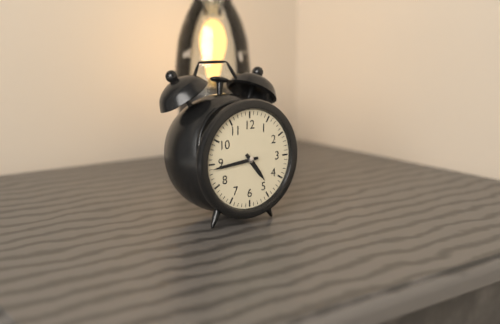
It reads 4h44
